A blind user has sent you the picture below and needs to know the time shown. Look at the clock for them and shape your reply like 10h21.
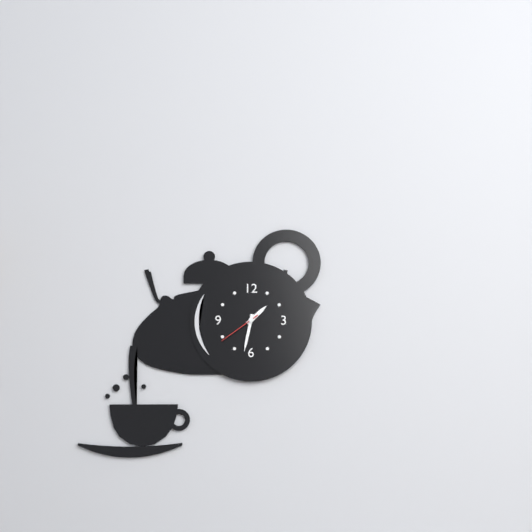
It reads 1h32
